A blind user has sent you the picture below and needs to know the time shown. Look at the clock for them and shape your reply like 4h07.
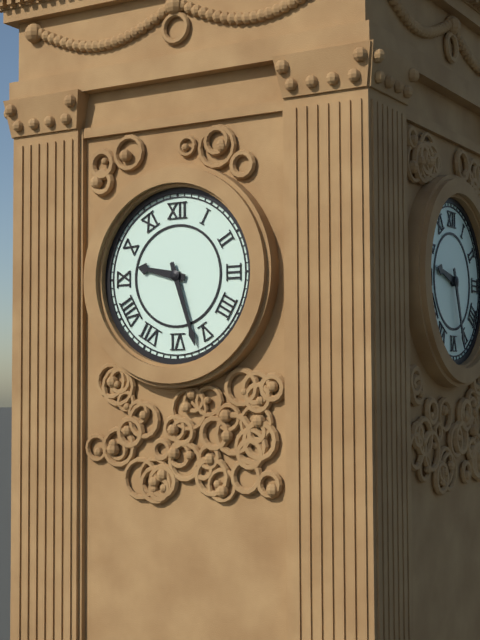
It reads 9h27
